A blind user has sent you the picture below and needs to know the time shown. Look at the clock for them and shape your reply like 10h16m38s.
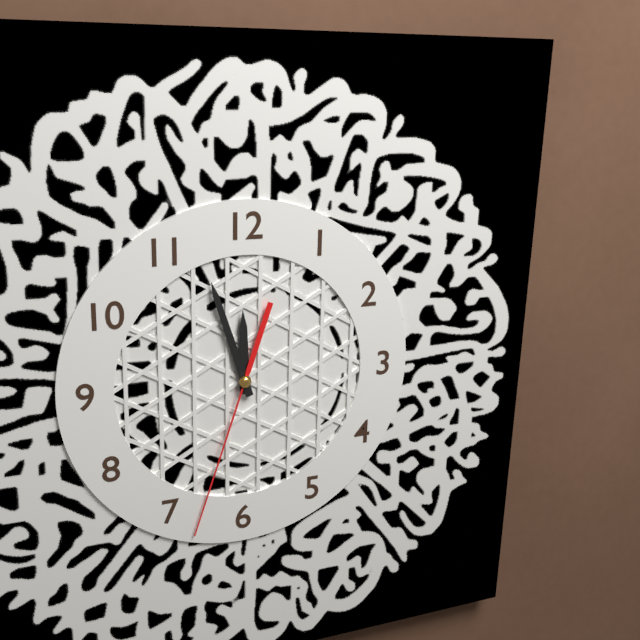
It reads 11h57m33s
